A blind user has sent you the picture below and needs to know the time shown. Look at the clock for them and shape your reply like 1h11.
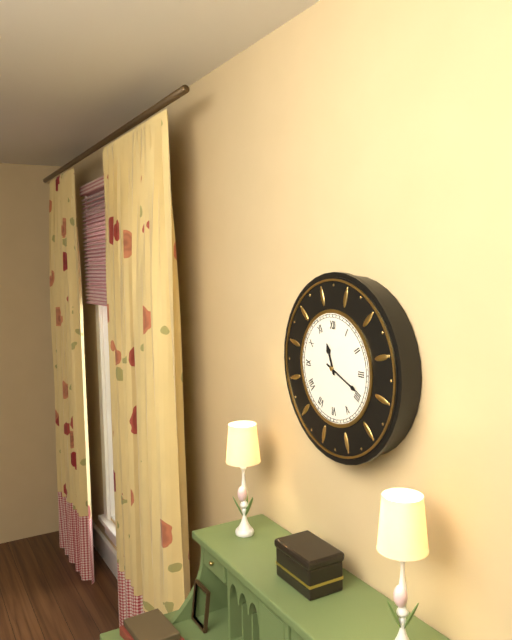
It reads 11h19
